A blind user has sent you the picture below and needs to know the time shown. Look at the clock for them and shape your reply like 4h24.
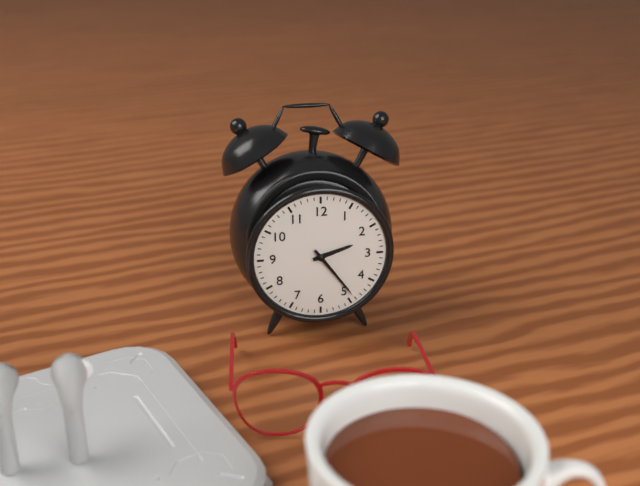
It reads 2h24
